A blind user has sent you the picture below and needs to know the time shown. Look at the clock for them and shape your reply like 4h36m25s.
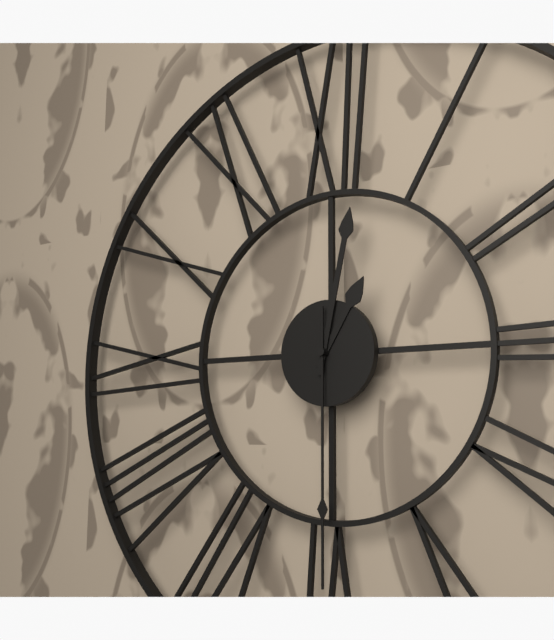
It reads 1h02m30s
